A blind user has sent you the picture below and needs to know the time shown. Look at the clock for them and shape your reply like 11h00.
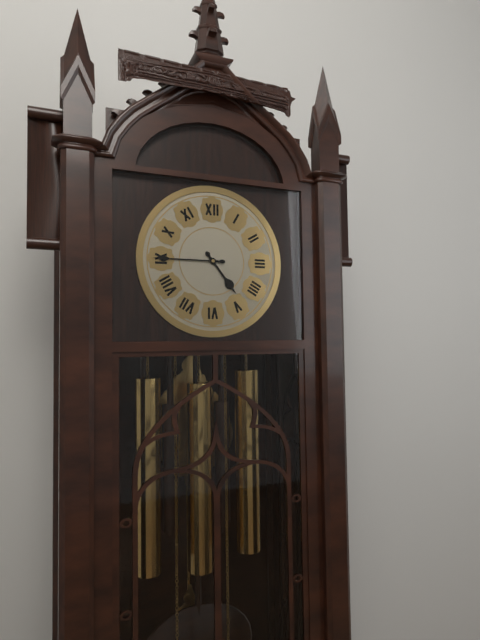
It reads 4h45
